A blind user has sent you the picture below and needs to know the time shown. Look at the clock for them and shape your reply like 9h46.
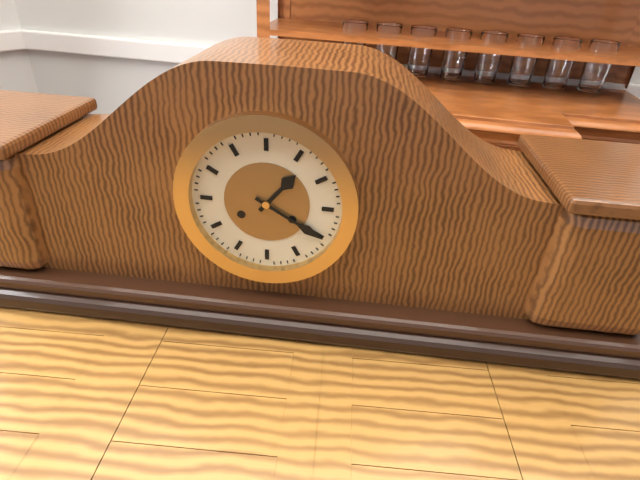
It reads 1h20
